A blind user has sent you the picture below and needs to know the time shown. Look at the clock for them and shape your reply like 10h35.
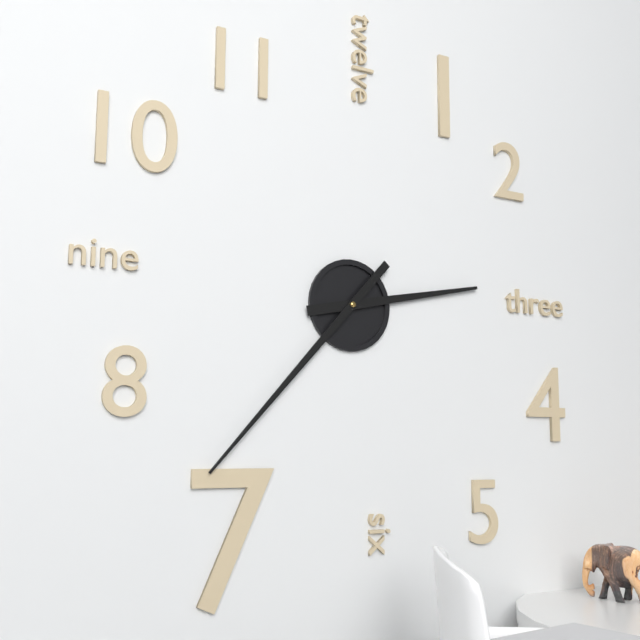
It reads 2h37
